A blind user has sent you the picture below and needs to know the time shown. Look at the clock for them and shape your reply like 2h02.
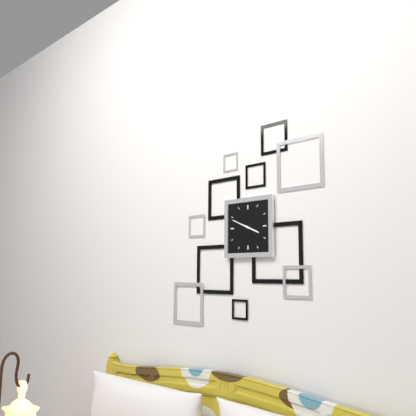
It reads 3h49
